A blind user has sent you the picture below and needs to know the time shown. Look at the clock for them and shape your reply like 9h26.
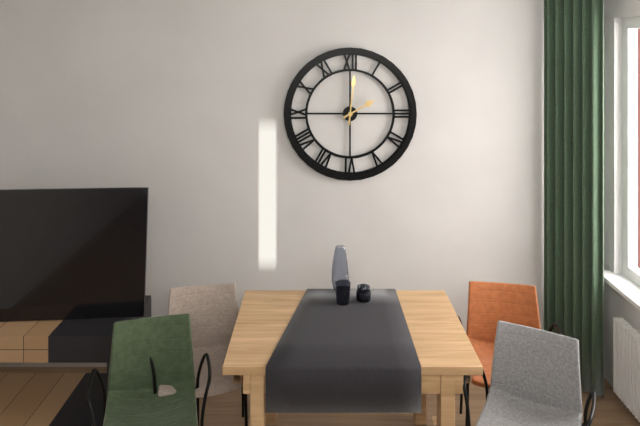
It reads 2h01
